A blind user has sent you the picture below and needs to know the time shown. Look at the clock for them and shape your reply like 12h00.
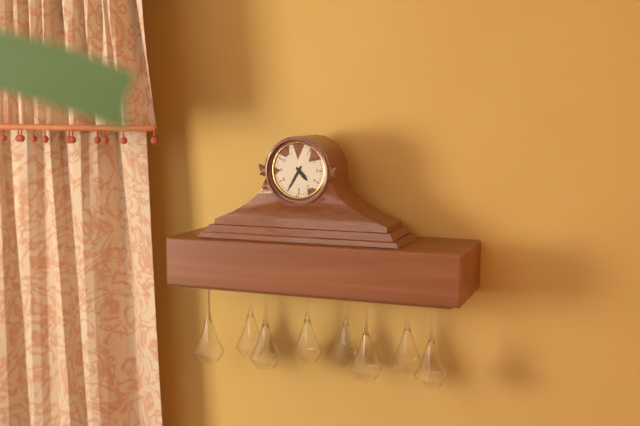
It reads 4h35
